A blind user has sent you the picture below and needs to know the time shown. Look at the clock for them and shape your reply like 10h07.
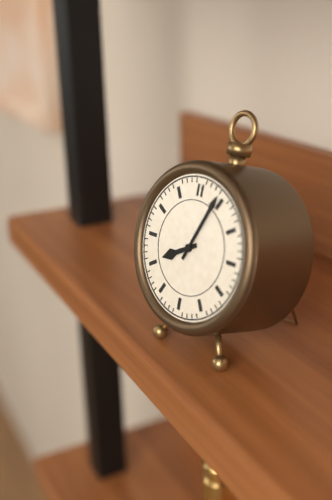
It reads 8h04
